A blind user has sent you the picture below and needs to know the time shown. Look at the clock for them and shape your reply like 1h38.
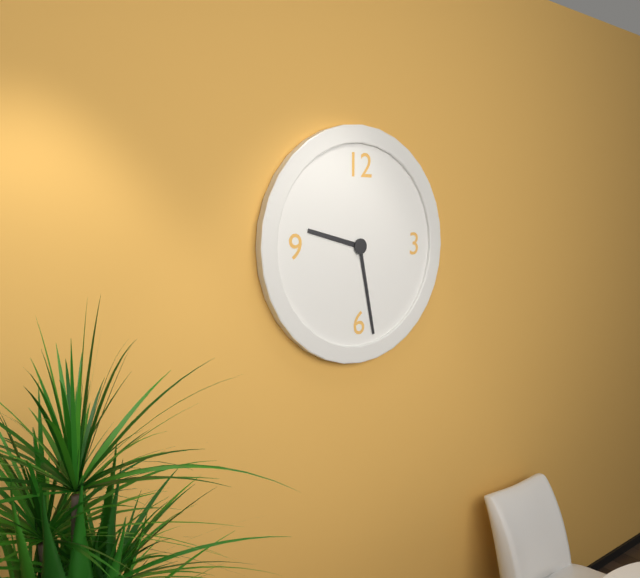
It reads 9h28
